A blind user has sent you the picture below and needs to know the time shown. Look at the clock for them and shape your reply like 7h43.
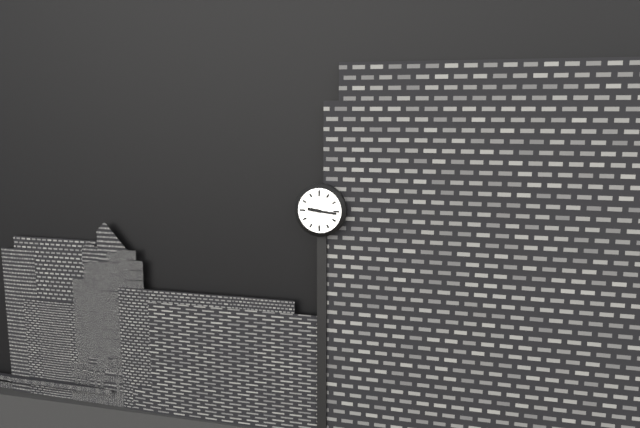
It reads 9h16
